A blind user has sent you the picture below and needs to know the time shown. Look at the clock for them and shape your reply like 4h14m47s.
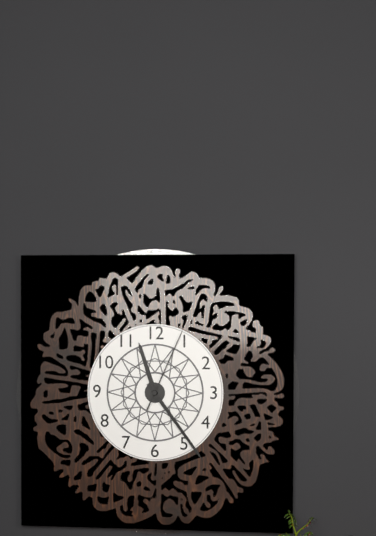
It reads 11h24m04s
